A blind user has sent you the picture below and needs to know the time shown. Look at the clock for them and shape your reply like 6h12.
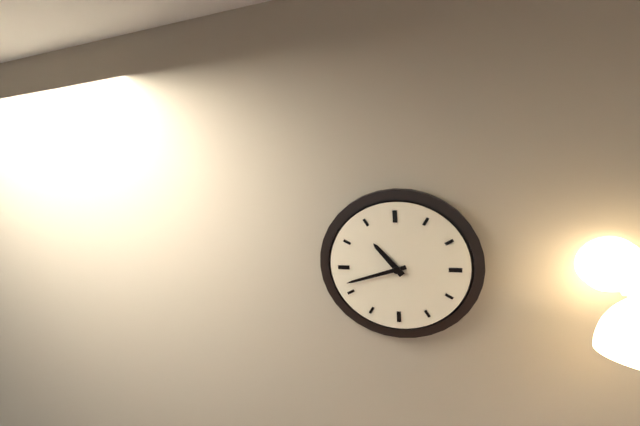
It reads 10h42
